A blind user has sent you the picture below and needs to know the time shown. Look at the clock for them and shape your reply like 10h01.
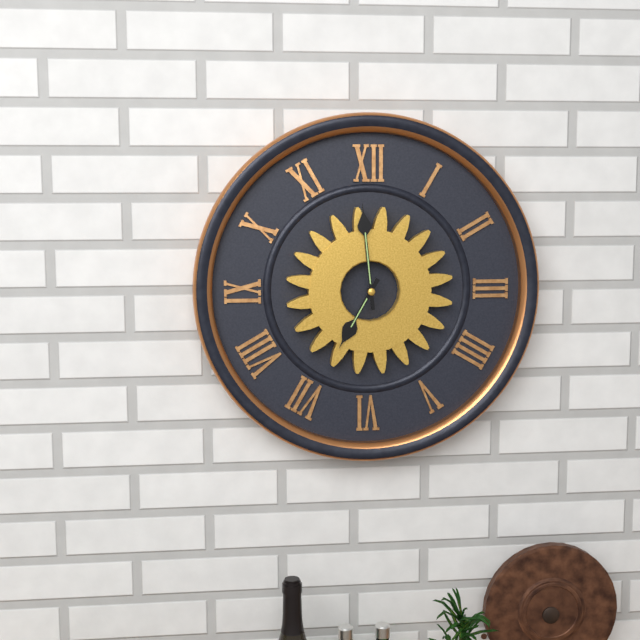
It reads 6h59
